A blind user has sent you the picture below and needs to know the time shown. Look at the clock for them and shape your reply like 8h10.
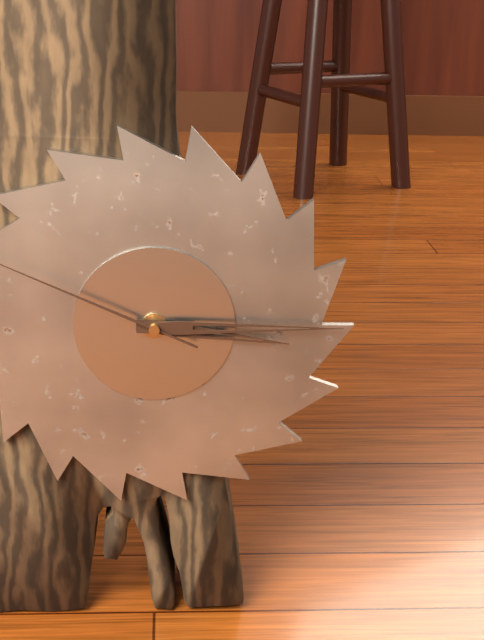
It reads 3h15
